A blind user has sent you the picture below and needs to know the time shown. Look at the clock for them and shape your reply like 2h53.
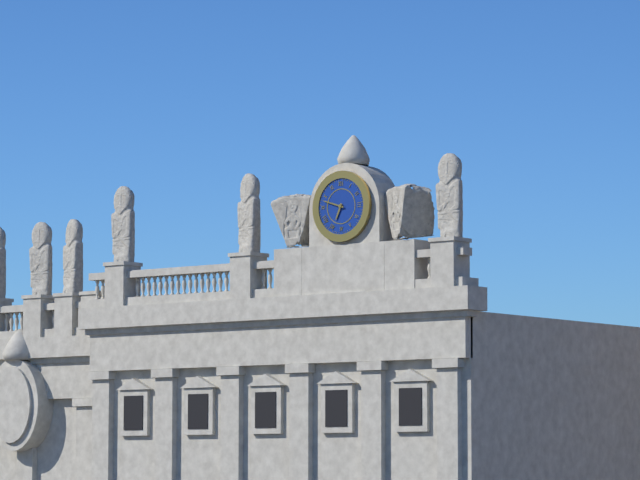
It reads 6h48
